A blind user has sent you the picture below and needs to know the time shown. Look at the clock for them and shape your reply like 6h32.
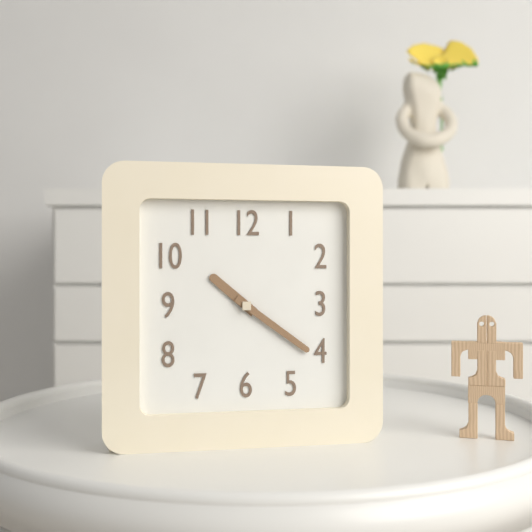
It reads 10h21
